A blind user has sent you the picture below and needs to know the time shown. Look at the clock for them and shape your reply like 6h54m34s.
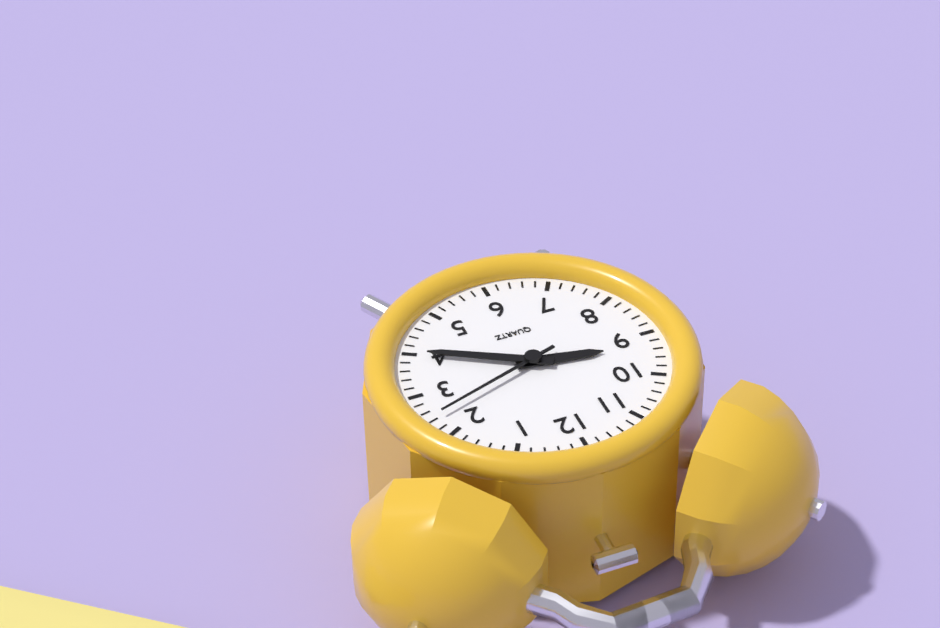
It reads 9h20m12s
